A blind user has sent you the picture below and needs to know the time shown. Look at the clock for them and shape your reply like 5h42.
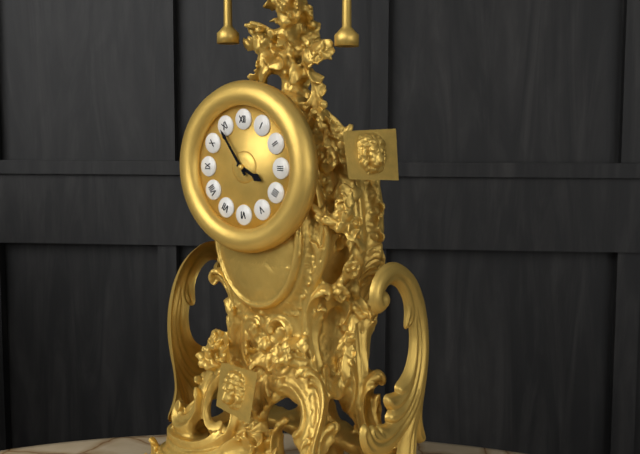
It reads 3h54
